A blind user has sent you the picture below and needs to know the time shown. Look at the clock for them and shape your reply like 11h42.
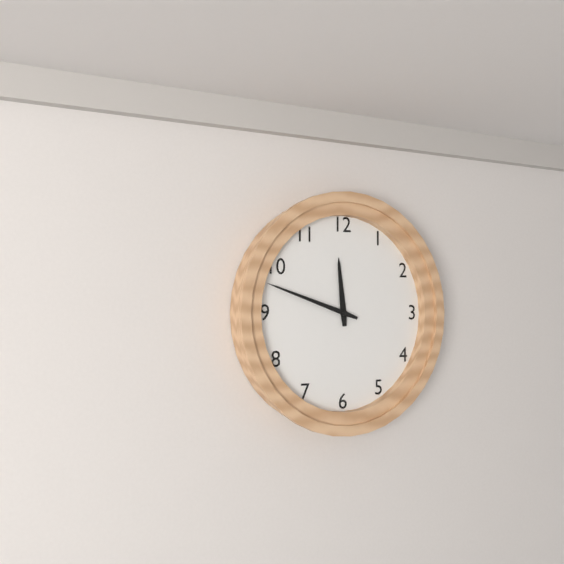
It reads 11h48
